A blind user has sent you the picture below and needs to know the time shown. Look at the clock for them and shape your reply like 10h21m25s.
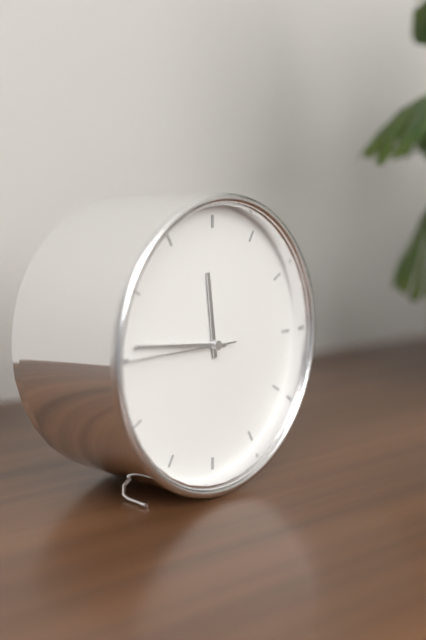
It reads 11h46m45s
